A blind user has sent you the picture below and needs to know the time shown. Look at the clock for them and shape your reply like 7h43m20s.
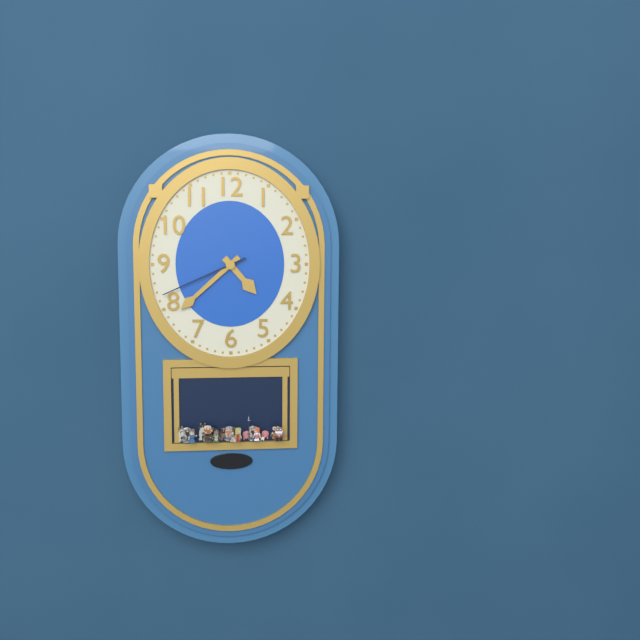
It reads 4h38m41s
